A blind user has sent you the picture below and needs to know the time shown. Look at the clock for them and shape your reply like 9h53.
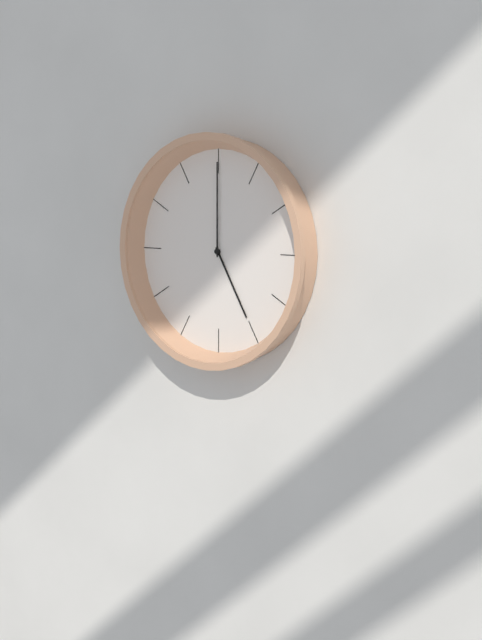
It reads 5h00
